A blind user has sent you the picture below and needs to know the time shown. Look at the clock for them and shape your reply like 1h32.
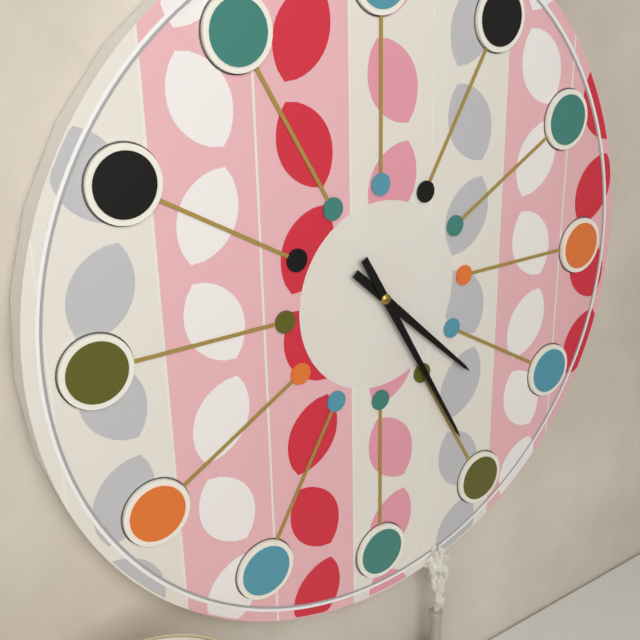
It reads 4h25
